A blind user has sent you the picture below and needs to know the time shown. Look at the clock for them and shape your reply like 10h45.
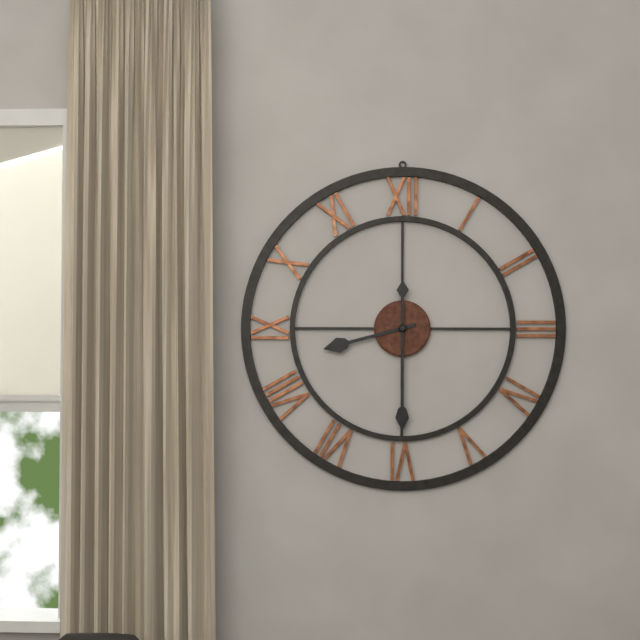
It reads 8h30
